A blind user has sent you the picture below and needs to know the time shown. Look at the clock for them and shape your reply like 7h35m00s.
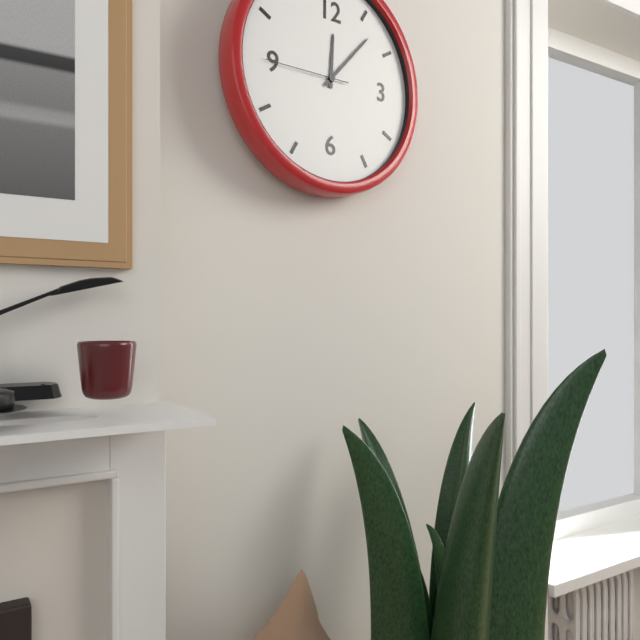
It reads 12h07m45s
